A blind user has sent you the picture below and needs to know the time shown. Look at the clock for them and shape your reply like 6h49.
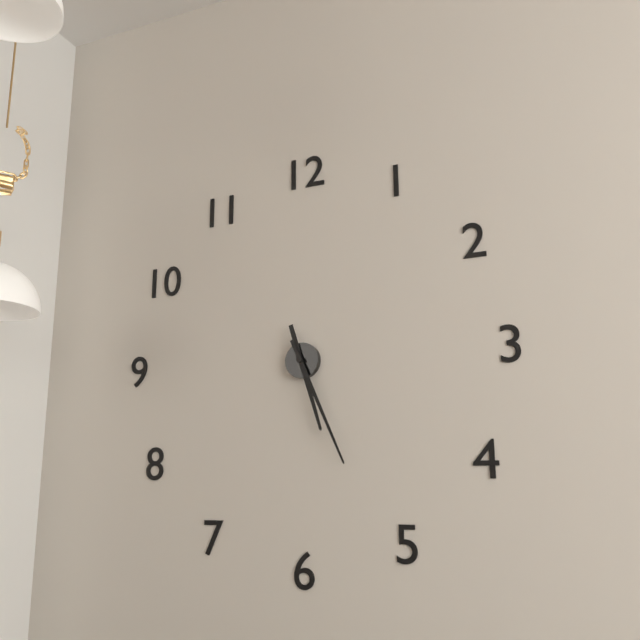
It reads 5h26
